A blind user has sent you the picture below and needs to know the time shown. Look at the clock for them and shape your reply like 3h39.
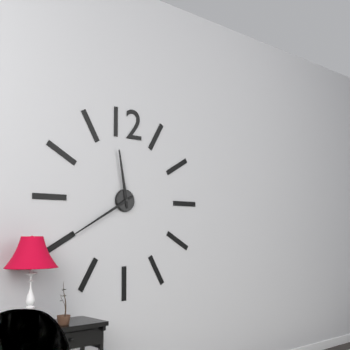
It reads 11h40
